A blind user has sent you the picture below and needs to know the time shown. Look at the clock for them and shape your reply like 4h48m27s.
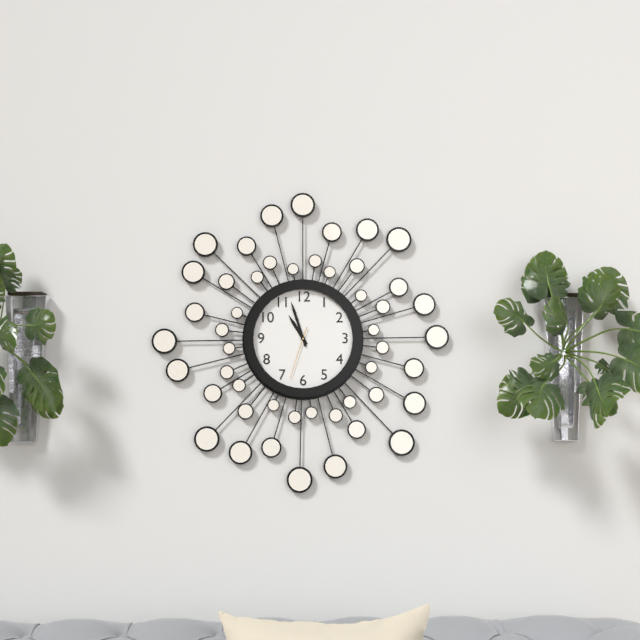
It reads 10h57m33s
